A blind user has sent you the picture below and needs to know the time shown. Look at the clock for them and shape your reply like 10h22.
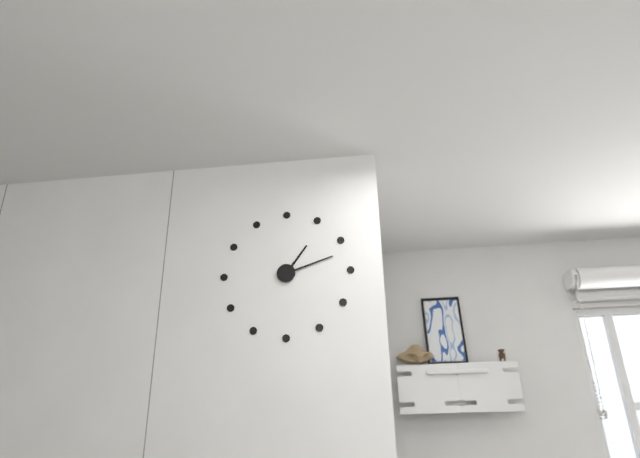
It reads 1h12
